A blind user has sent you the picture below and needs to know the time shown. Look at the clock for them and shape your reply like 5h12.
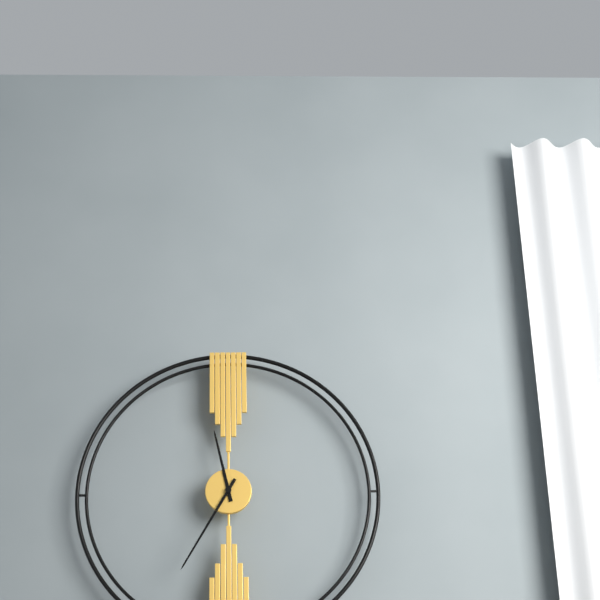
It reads 11h35
